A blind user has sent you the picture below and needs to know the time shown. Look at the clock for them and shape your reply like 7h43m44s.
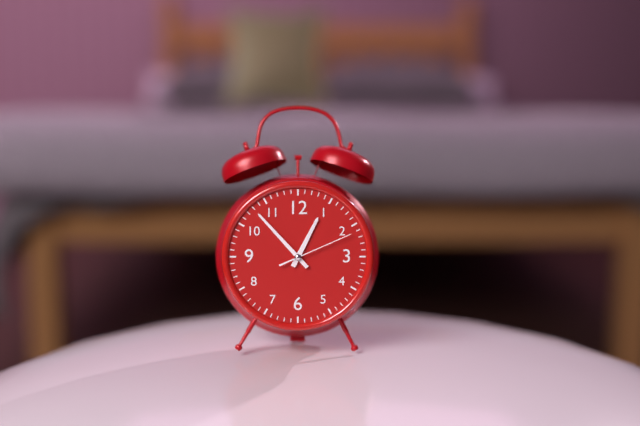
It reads 12h53m11s
